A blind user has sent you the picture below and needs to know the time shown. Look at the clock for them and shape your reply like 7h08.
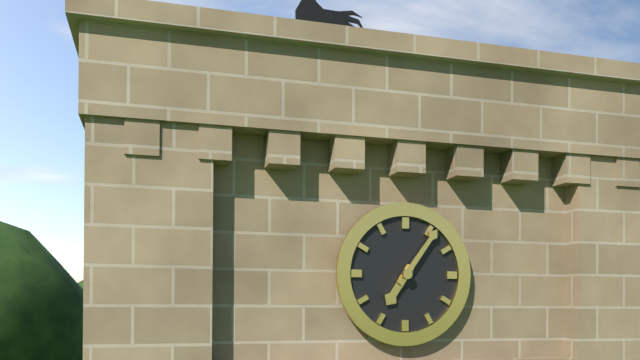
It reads 7h06
